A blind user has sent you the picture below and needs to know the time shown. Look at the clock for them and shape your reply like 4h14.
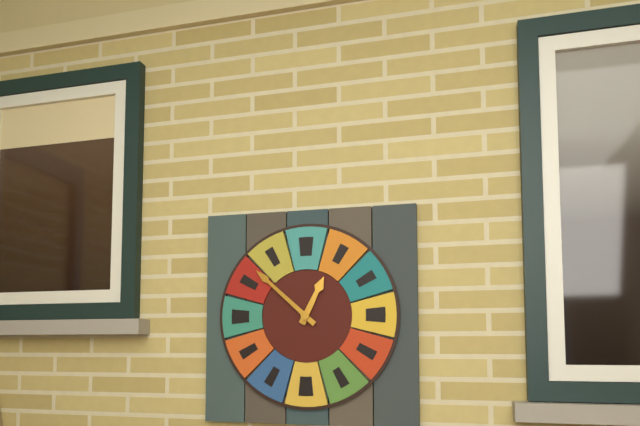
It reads 12h52
